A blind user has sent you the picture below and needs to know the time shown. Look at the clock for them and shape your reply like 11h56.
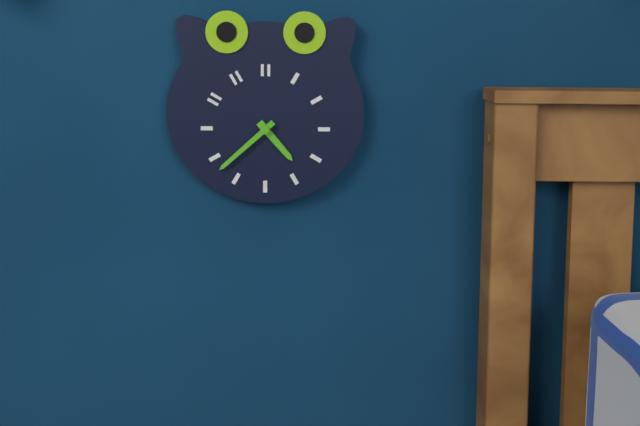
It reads 4h38
